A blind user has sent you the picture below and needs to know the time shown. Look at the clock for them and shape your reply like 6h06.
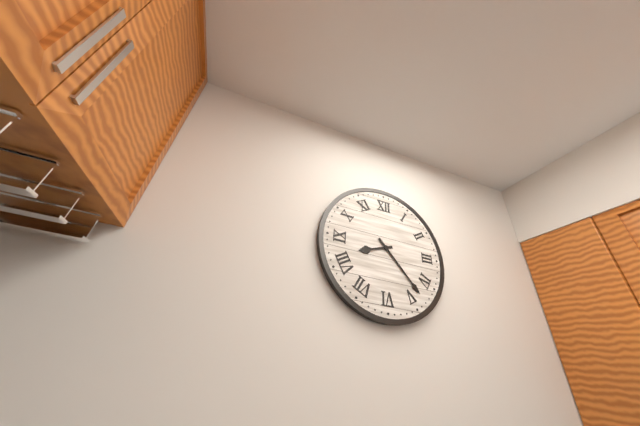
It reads 8h23
